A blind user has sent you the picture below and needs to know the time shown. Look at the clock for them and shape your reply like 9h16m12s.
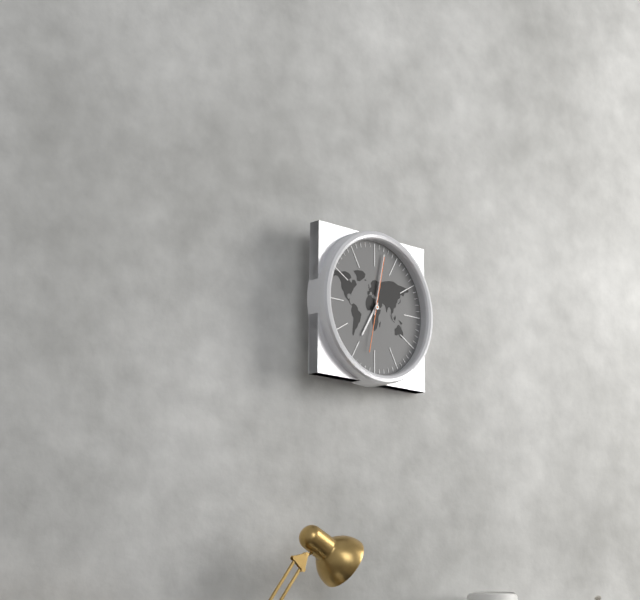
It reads 7h02m02s
